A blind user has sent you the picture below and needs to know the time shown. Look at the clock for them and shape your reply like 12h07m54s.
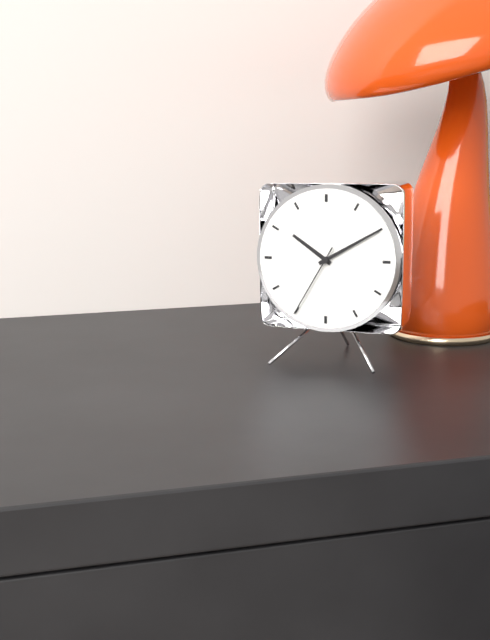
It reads 10h10m35s
